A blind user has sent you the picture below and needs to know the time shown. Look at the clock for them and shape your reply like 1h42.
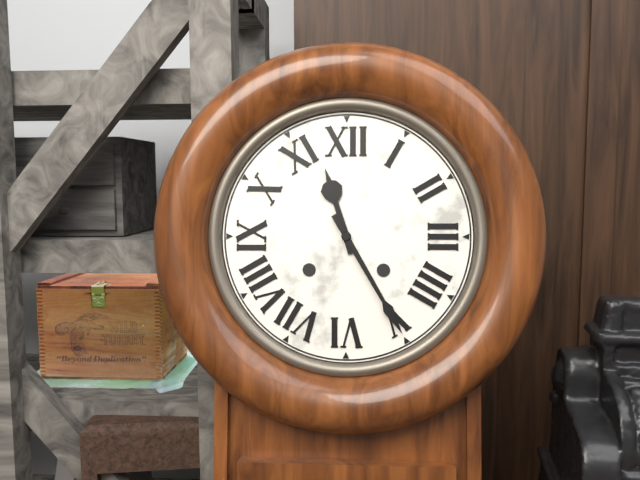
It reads 11h25
